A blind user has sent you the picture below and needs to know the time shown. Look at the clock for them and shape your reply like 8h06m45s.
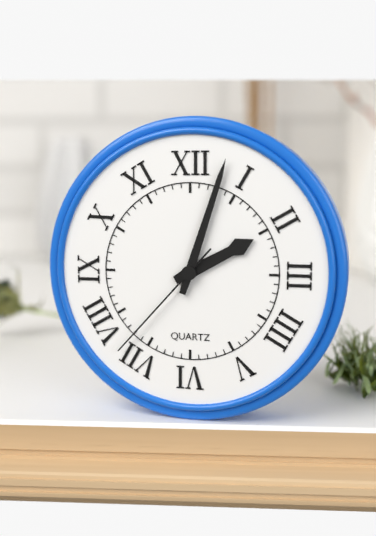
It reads 2h03m37s
